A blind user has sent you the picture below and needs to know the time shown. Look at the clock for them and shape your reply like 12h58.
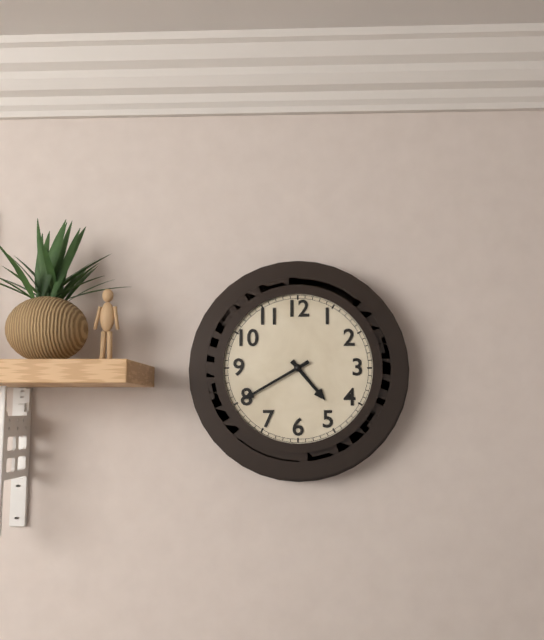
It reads 4h40
